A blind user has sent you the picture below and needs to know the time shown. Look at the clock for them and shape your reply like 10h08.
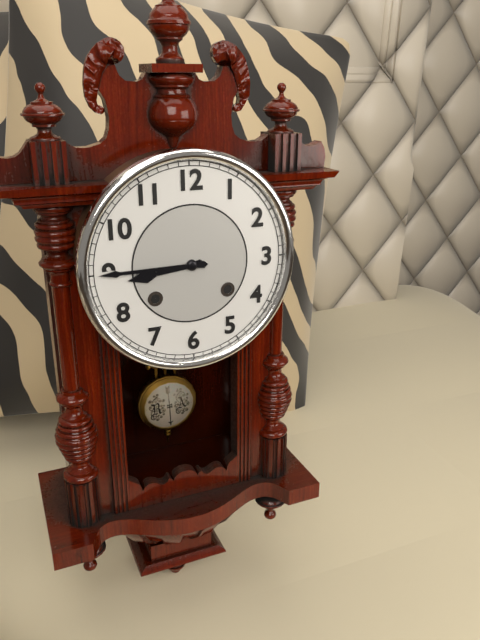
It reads 8h45
